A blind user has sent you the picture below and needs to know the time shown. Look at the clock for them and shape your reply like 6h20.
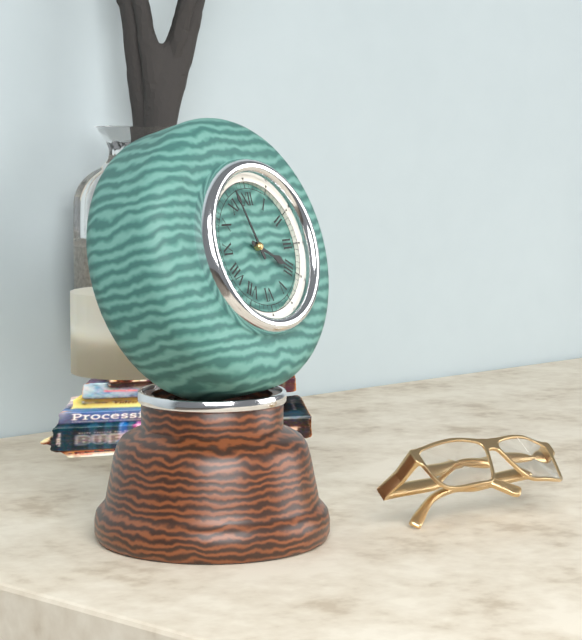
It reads 3h57
